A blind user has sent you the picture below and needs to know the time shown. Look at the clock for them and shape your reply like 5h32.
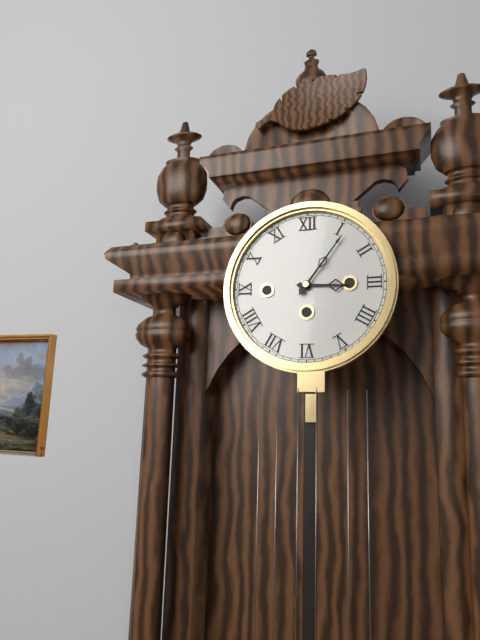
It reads 3h06
